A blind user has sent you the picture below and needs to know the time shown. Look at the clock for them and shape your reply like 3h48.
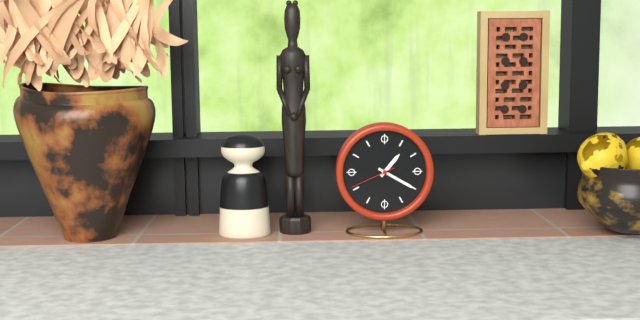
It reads 1h20
